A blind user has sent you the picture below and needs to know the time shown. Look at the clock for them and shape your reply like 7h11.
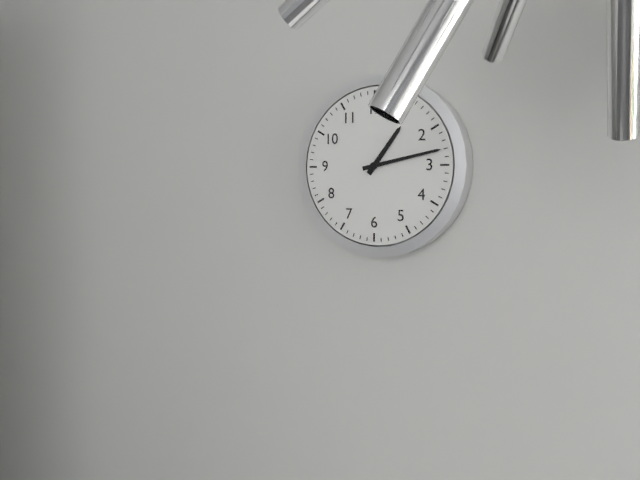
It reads 1h13
